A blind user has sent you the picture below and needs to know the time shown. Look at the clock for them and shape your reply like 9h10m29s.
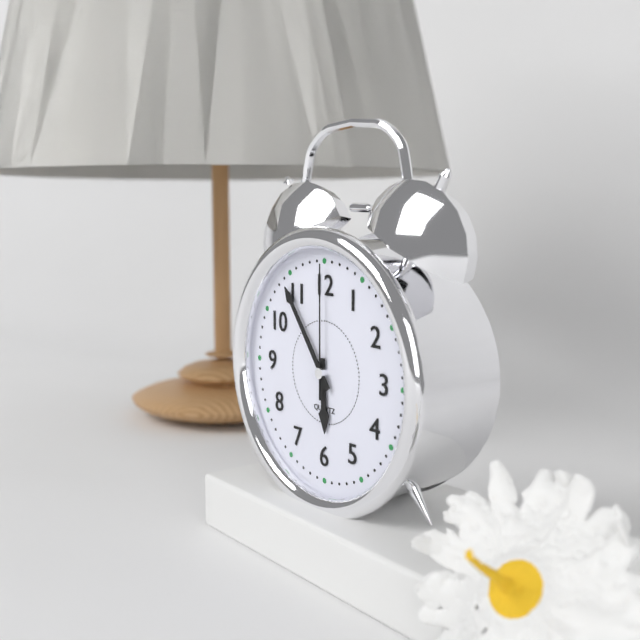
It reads 5h54m00s
